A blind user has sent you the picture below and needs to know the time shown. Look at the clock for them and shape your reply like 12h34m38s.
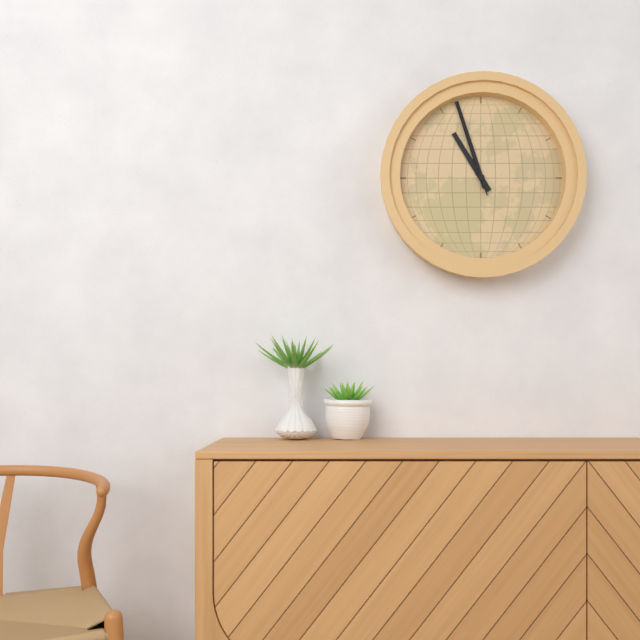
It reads 10h57m57s
